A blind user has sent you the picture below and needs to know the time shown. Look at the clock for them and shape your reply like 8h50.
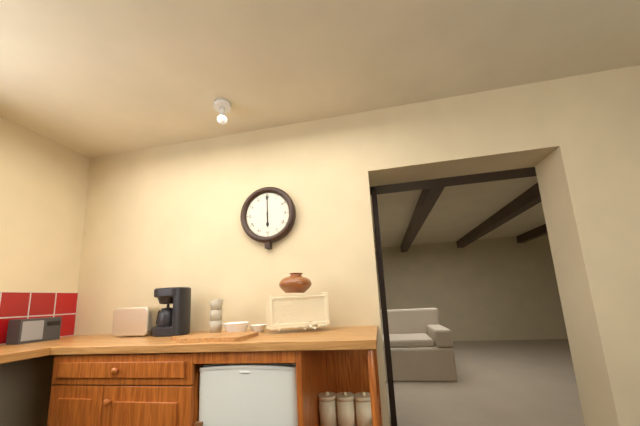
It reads 6h00
